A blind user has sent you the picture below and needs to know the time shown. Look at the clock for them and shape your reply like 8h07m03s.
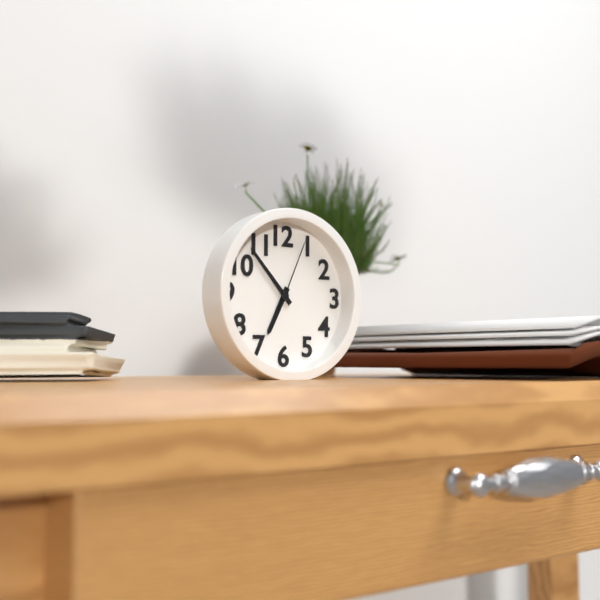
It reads 6h53m04s
